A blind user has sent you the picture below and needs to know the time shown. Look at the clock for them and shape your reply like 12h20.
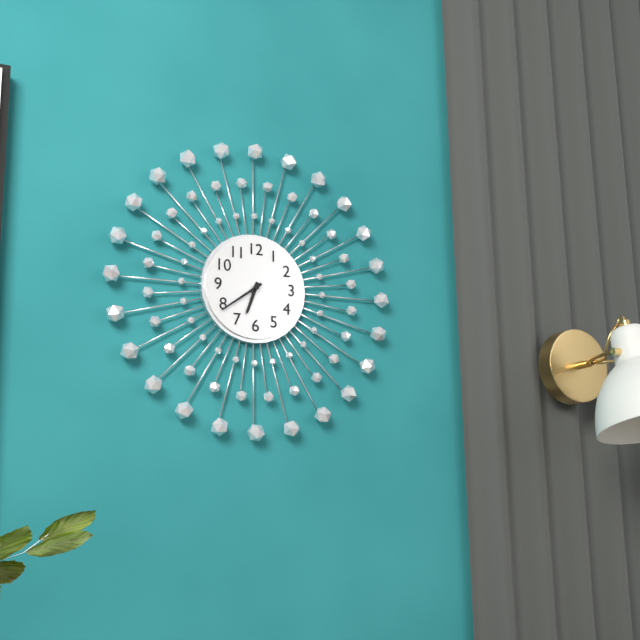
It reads 6h39
